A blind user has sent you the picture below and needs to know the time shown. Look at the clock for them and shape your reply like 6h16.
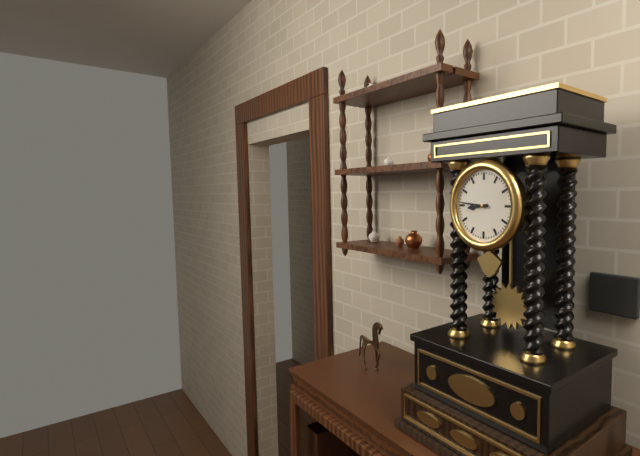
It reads 8h46
